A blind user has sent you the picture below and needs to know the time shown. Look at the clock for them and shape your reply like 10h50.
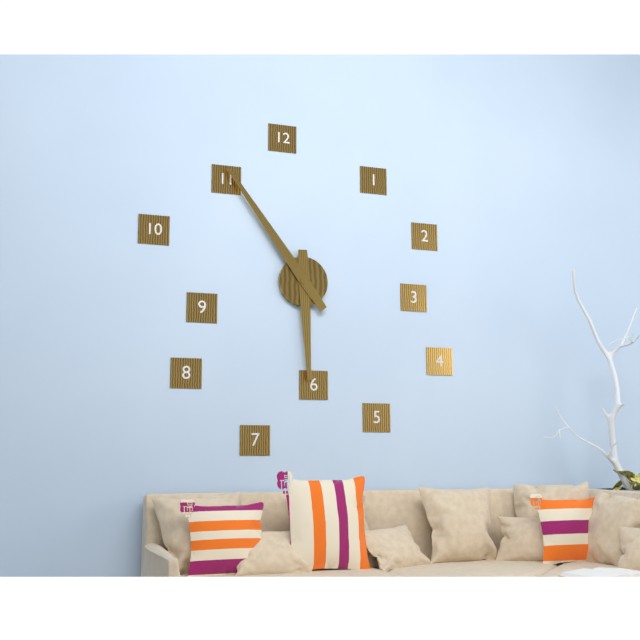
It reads 5h54
